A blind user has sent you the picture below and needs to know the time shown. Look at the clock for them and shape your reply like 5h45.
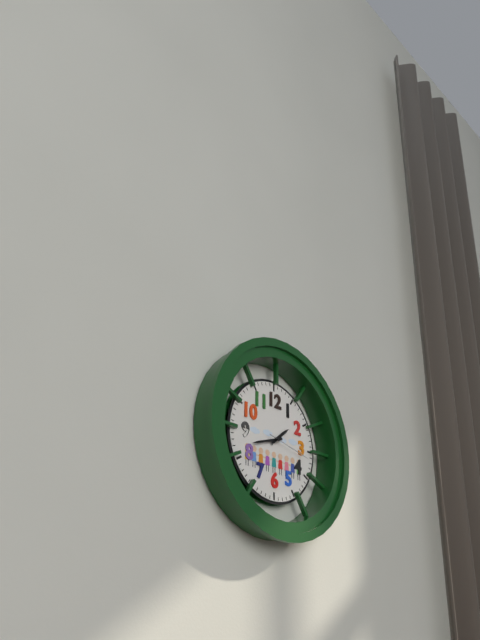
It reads 1h42
